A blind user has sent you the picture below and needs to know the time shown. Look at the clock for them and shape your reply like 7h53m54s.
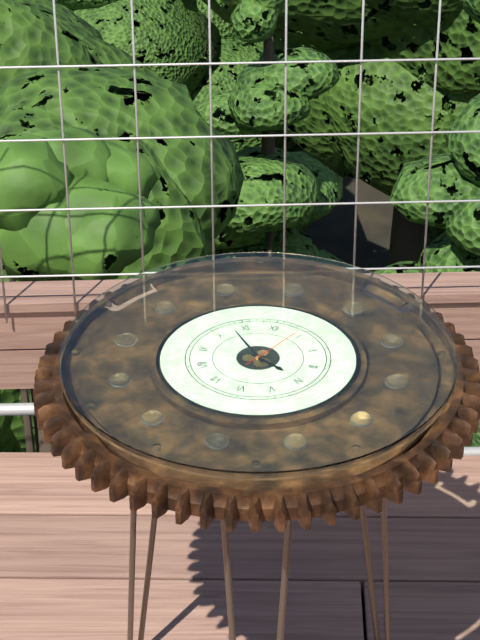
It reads 3h53m04s
